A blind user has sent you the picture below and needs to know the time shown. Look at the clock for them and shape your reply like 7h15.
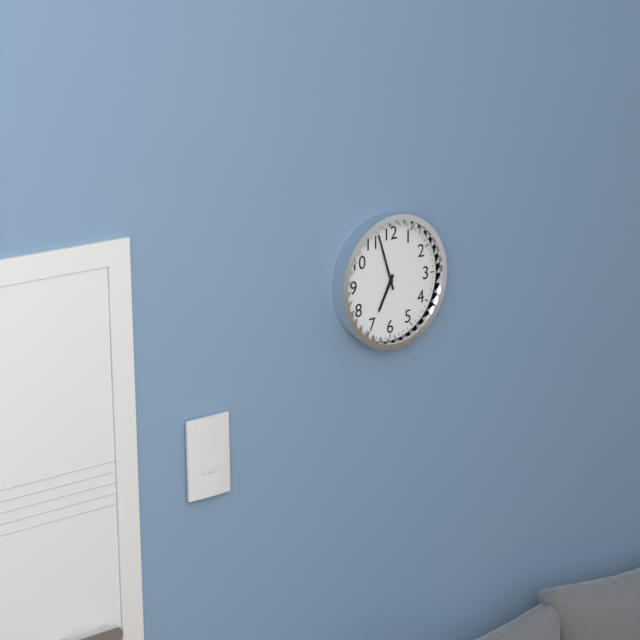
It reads 6h57
